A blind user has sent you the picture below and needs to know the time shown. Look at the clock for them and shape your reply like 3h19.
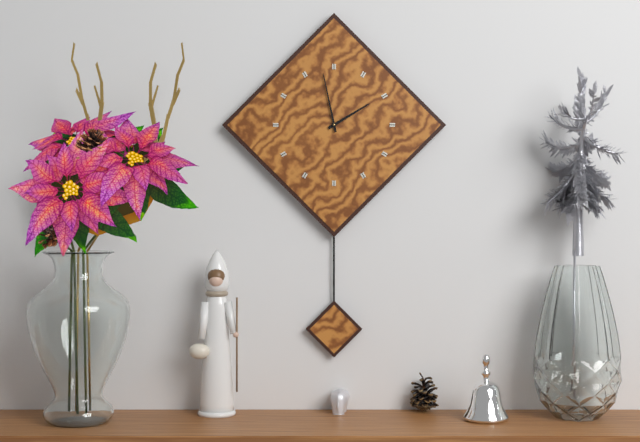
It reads 1h58
